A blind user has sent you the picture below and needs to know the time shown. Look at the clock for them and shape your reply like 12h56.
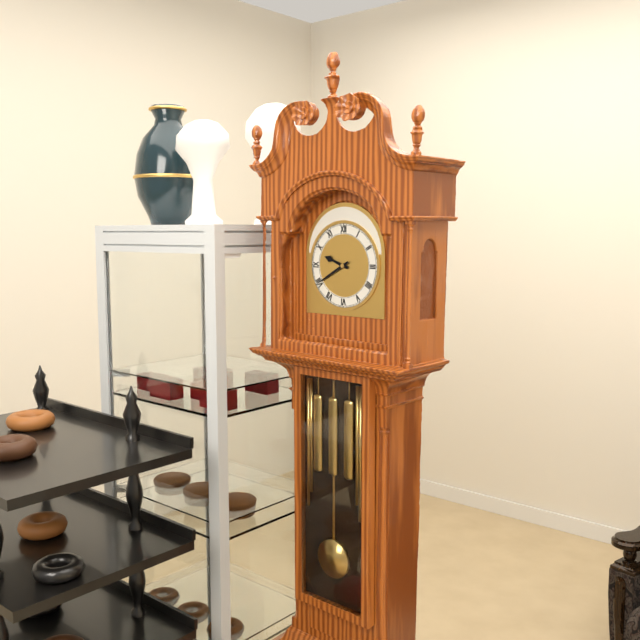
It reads 9h40
